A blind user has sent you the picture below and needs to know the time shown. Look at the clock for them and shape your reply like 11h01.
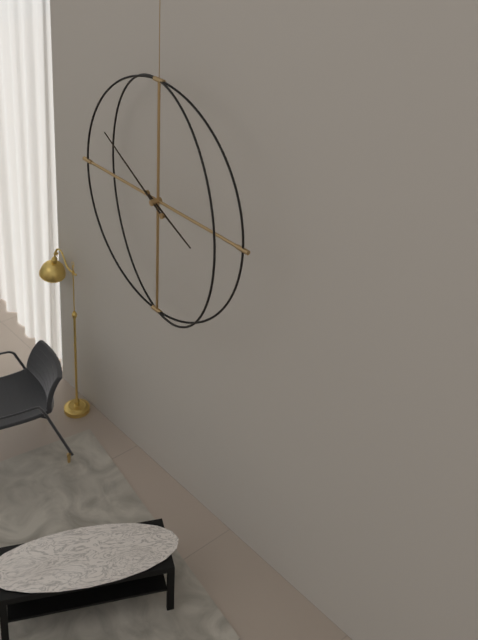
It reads 3h50
